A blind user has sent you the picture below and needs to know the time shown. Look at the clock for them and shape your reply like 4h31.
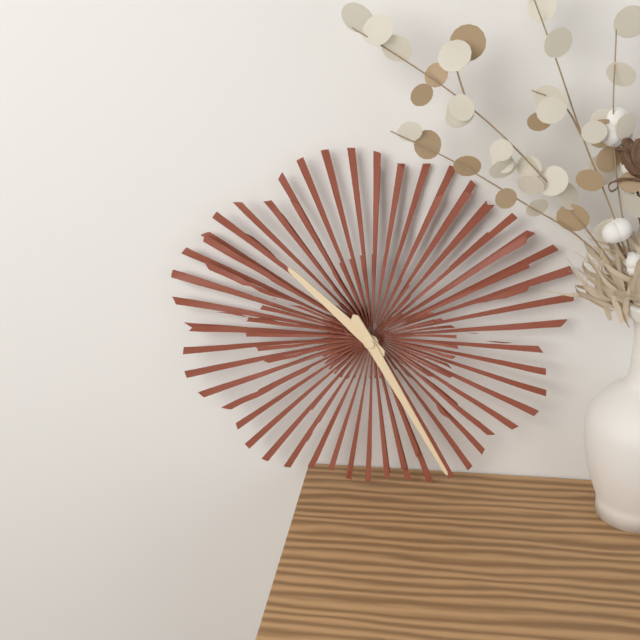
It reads 10h25
